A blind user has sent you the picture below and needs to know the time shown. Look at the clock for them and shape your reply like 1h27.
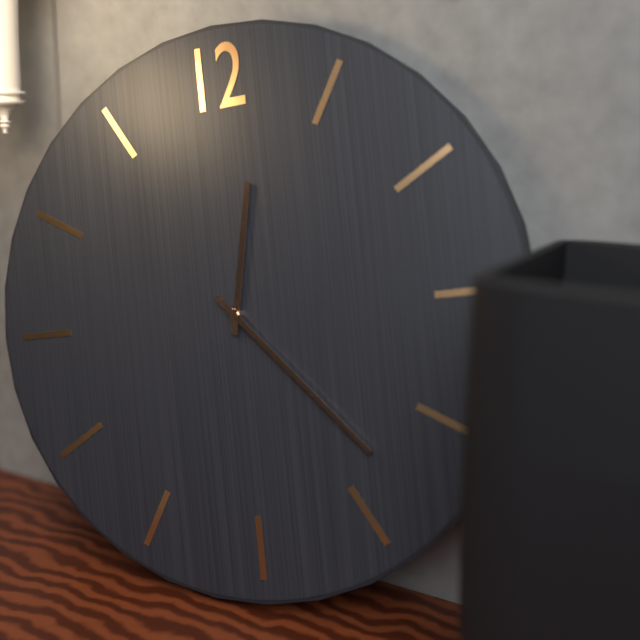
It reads 12h23
